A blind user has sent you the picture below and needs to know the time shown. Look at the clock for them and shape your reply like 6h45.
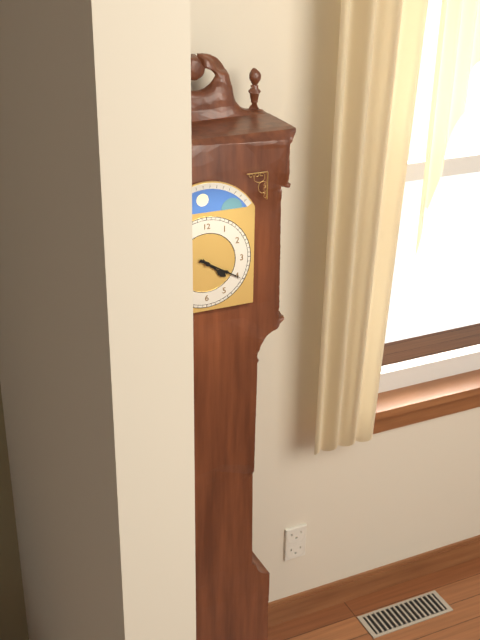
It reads 4h20
